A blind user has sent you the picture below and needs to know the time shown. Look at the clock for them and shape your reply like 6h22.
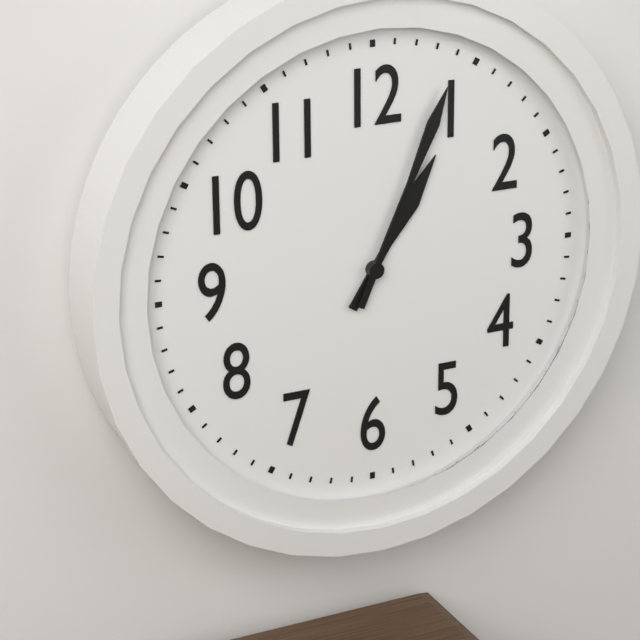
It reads 1h04
